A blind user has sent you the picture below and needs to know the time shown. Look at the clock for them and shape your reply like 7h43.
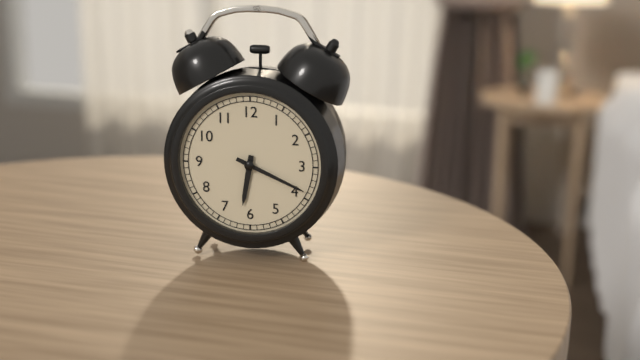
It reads 6h19
